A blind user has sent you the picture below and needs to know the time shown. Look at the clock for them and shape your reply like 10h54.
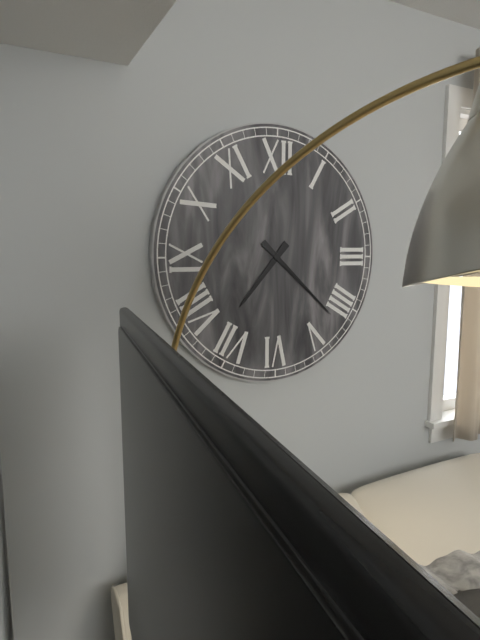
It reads 7h22
